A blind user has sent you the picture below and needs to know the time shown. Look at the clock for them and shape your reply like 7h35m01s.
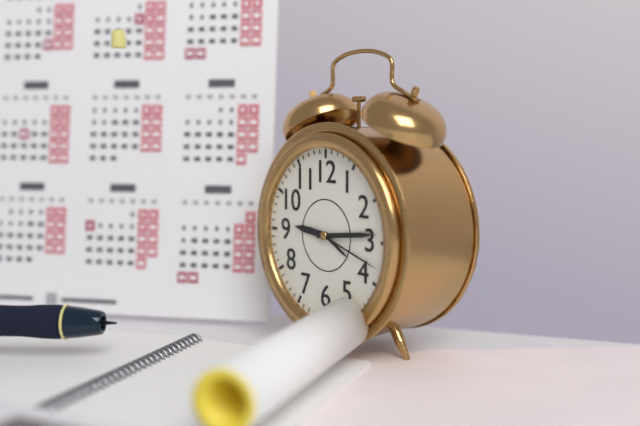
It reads 9h14m18s
